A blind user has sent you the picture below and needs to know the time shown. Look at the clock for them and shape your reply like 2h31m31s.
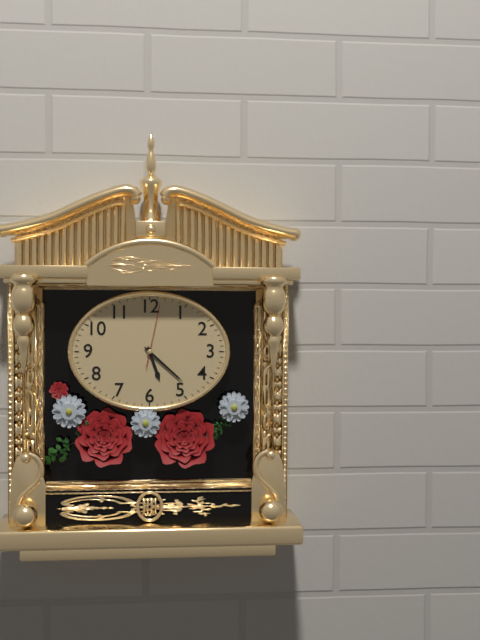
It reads 5h22m02s
